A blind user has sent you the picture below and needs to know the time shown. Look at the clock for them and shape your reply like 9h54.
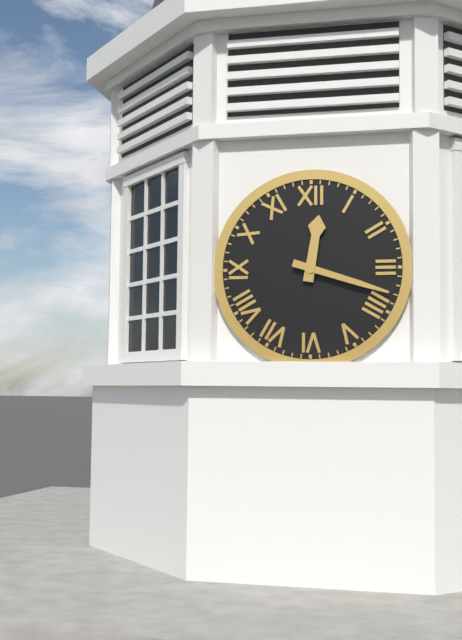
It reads 12h18
